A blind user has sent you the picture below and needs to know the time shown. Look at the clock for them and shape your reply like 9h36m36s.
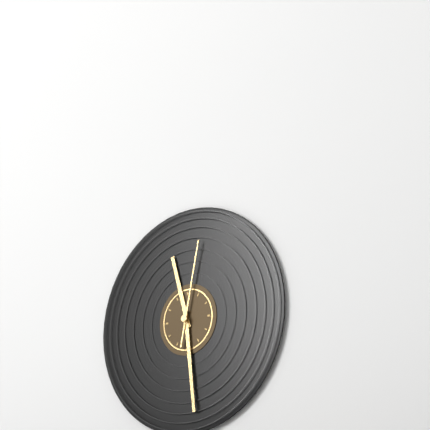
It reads 11h29m02s
